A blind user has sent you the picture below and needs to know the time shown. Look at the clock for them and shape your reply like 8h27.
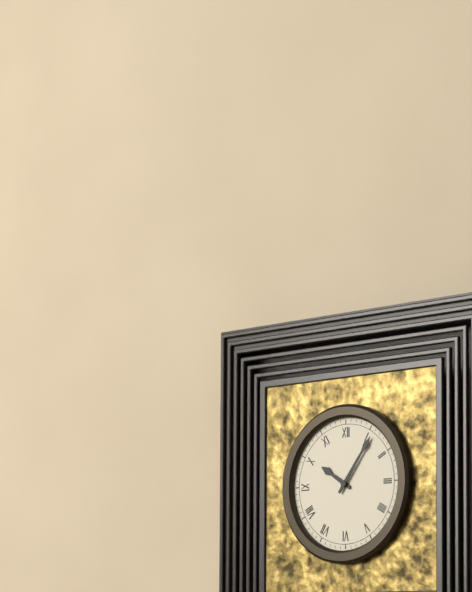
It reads 10h06
